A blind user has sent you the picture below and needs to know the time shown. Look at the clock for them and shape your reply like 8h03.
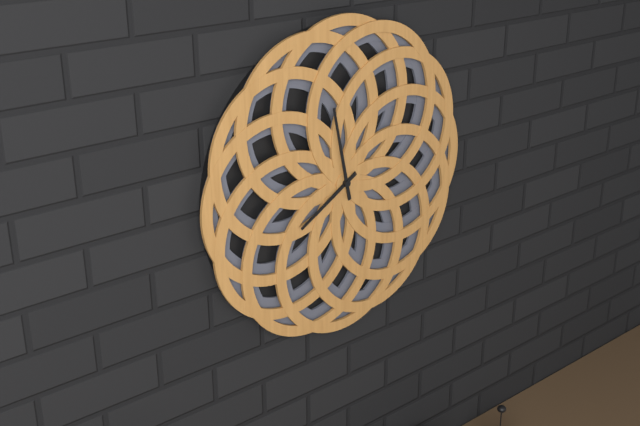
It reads 7h58
